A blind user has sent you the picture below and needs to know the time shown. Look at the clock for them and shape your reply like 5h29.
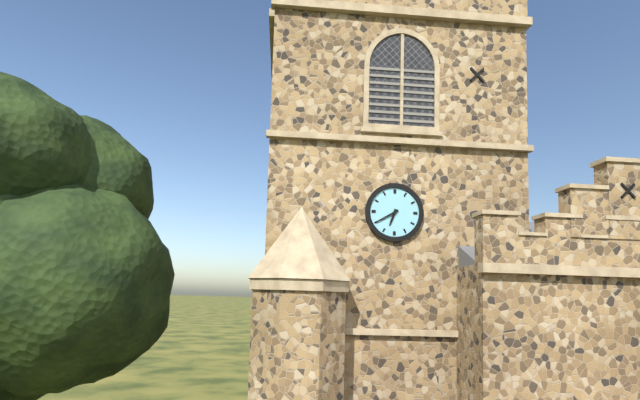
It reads 6h40
